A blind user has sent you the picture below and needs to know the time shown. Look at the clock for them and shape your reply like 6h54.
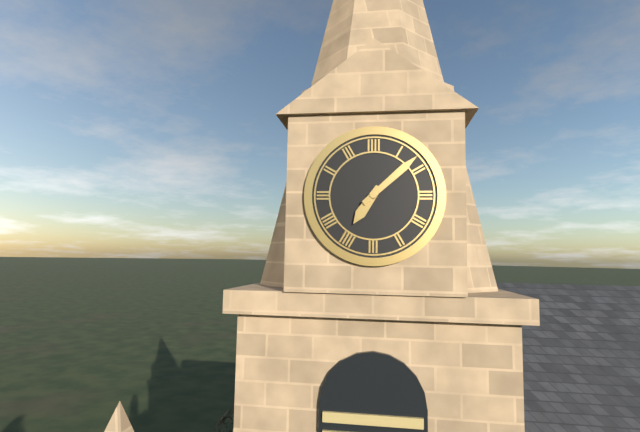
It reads 7h08
